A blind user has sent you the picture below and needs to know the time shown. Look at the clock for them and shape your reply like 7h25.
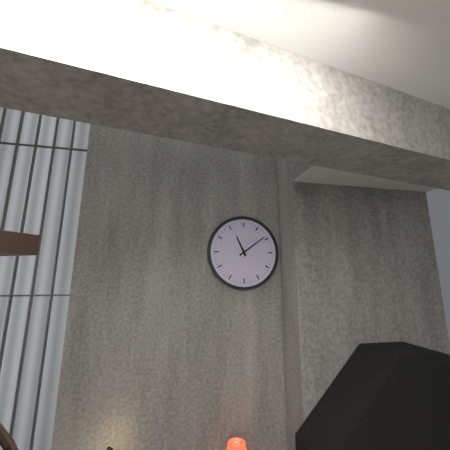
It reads 11h09
